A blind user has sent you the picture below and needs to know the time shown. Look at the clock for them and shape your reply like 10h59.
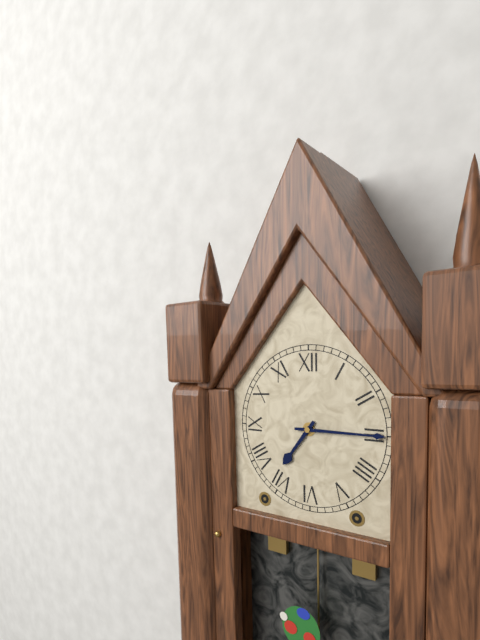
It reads 7h15
